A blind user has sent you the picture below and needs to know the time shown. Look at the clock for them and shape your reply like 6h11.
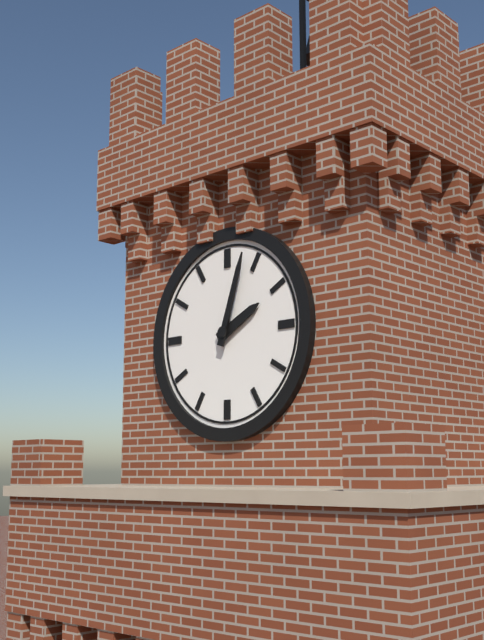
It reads 2h03
